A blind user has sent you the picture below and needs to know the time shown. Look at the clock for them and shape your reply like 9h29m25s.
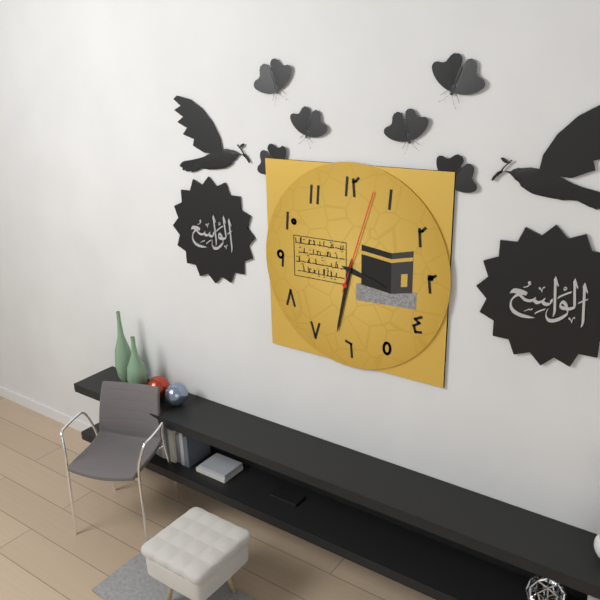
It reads 3h32m03s
